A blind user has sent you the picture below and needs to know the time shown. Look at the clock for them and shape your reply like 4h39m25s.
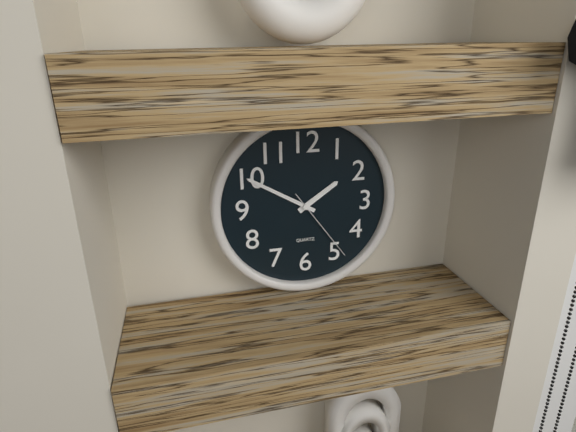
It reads 1h50m24s
